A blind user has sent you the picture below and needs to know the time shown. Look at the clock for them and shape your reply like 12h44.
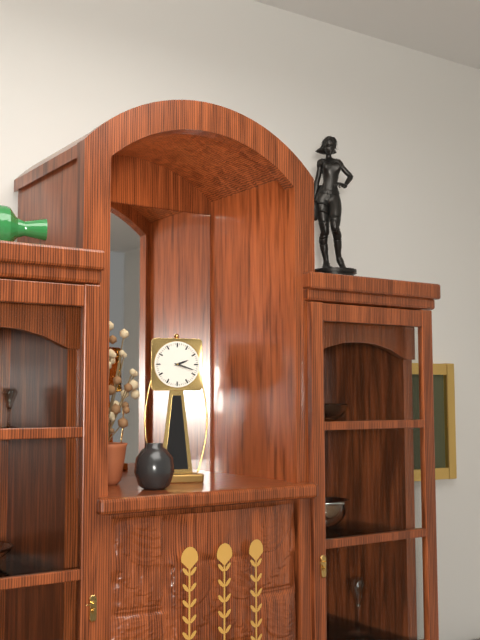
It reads 2h18
